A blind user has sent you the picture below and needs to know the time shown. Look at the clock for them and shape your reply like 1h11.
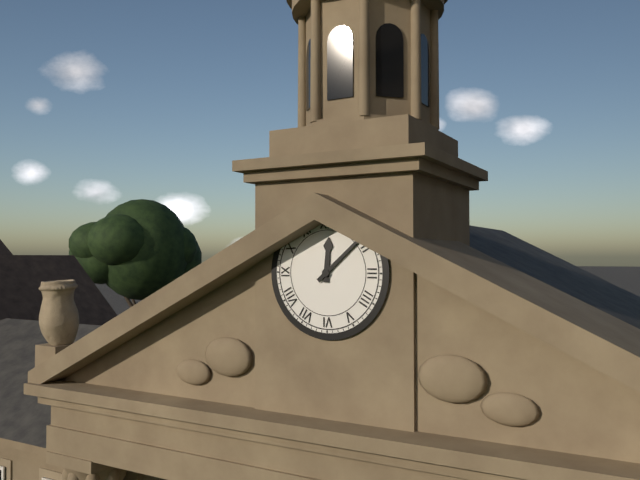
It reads 12h08
